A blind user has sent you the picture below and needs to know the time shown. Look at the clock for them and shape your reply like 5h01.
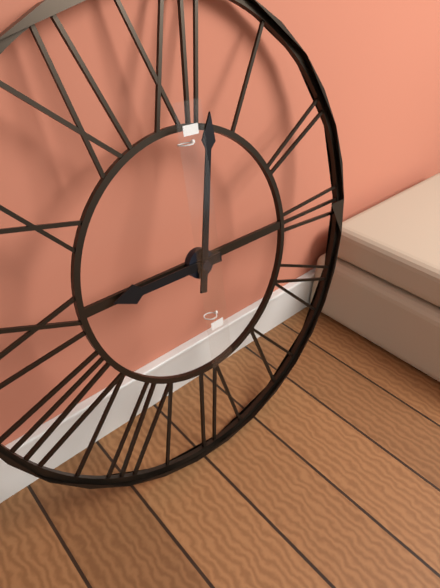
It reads 9h02
